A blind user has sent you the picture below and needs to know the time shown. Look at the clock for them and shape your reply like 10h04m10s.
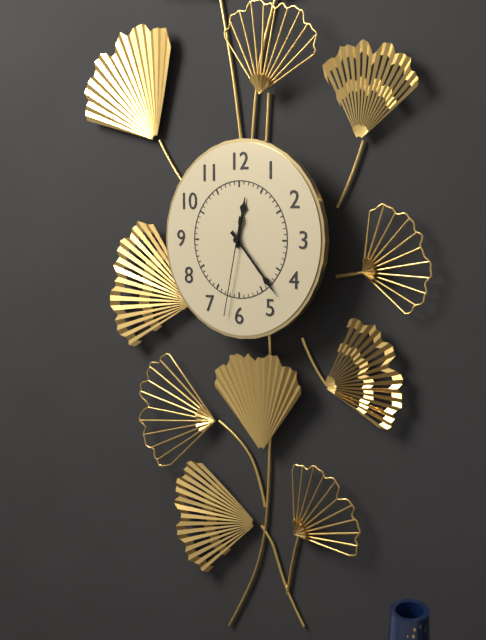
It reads 12h23m32s
